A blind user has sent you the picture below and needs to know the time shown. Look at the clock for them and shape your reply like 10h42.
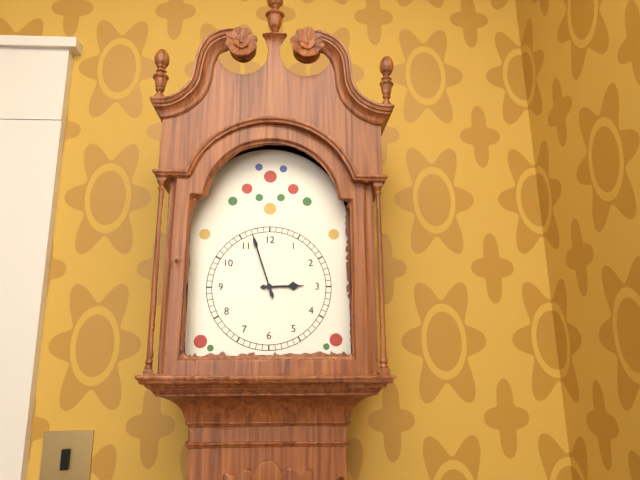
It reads 2h57
